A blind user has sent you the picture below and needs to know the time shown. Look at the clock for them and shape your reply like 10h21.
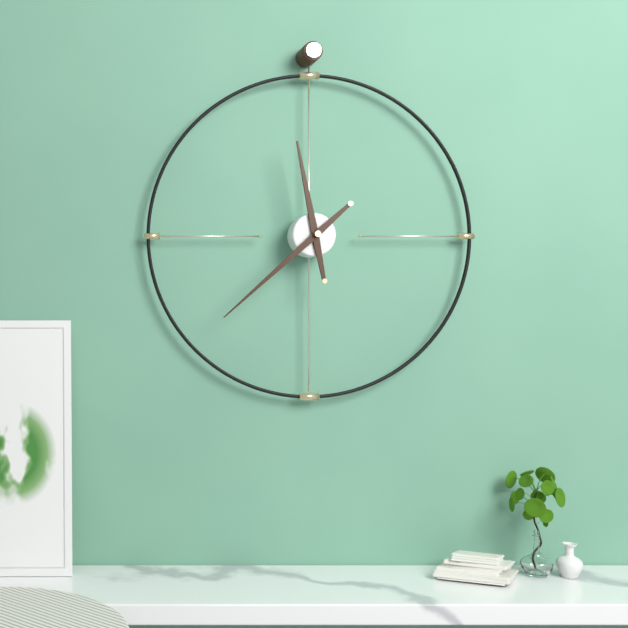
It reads 11h38
